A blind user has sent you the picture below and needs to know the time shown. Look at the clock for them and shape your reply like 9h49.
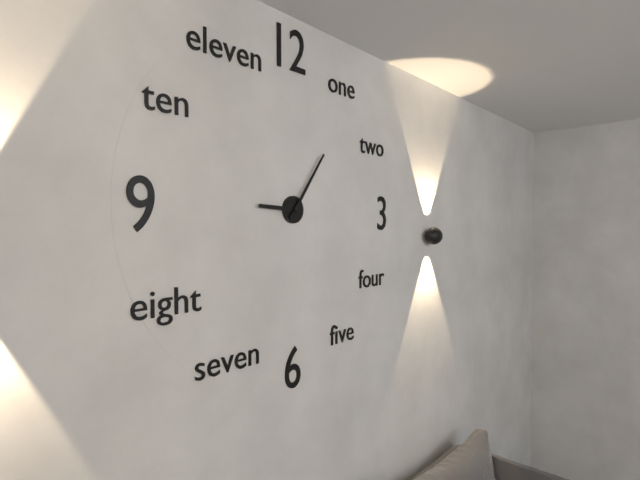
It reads 9h06
